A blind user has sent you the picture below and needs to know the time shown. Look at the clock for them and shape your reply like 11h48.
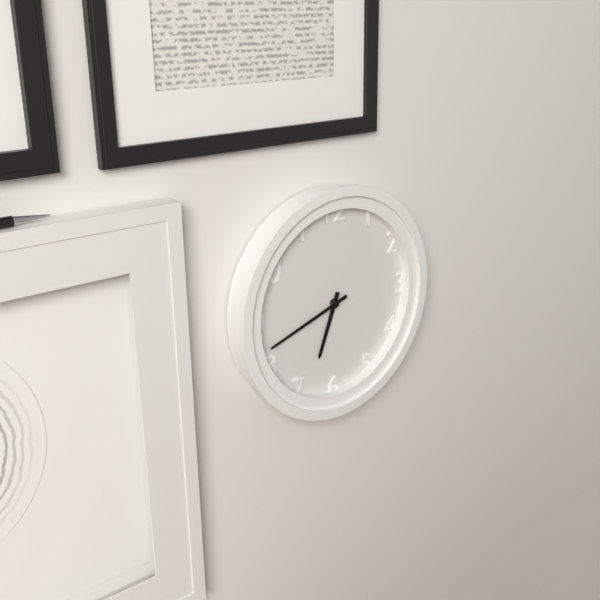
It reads 6h42
